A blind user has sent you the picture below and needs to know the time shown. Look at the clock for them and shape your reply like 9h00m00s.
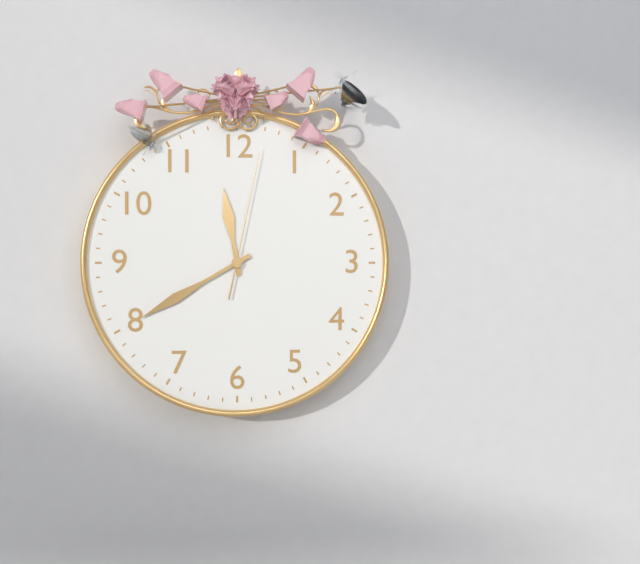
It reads 11h40m02s
